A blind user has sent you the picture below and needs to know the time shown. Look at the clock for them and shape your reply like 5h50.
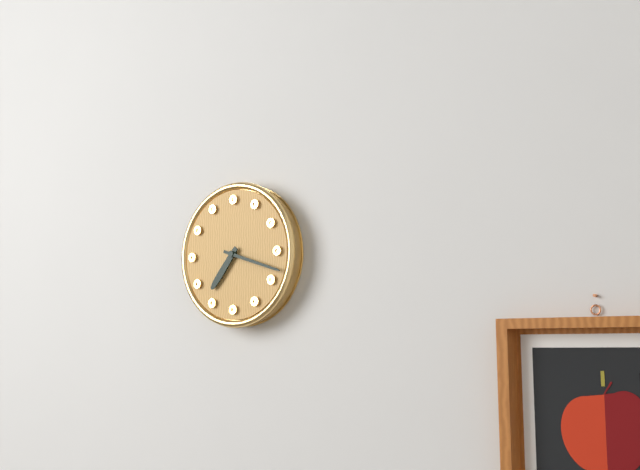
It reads 7h18
